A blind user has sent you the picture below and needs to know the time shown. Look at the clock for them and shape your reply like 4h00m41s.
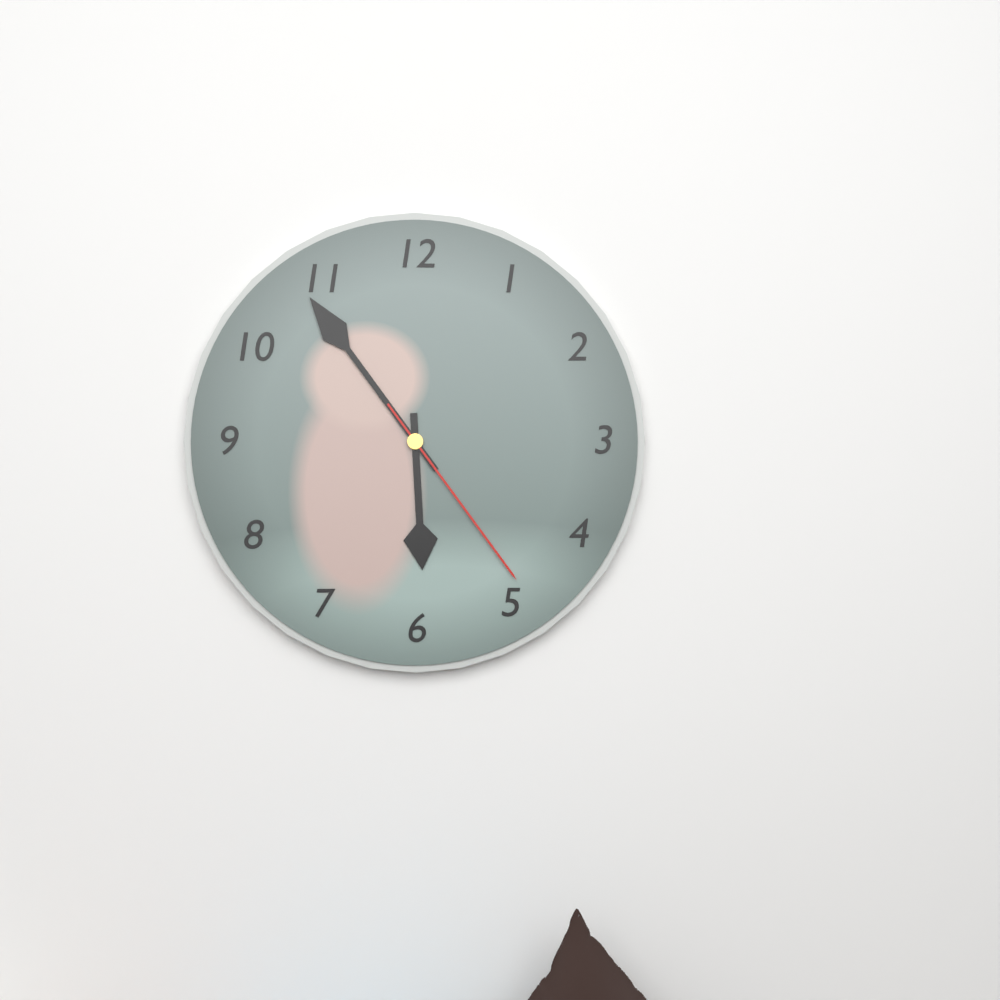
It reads 5h54m24s
